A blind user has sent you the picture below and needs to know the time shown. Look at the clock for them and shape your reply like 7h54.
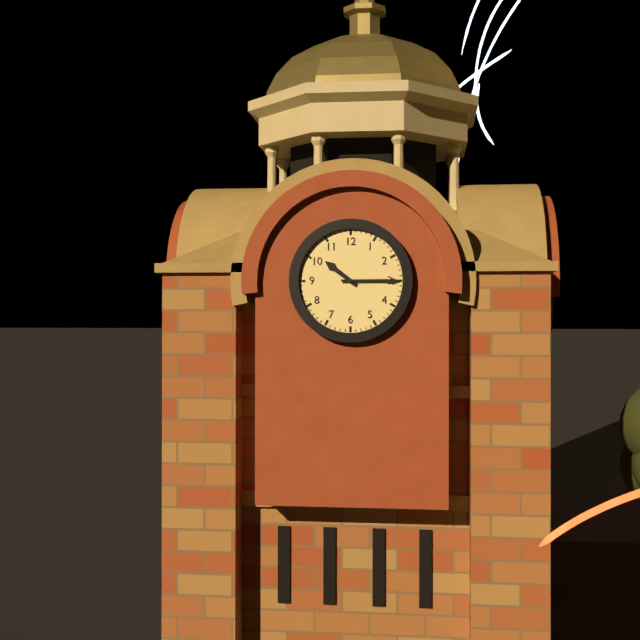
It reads 10h15
